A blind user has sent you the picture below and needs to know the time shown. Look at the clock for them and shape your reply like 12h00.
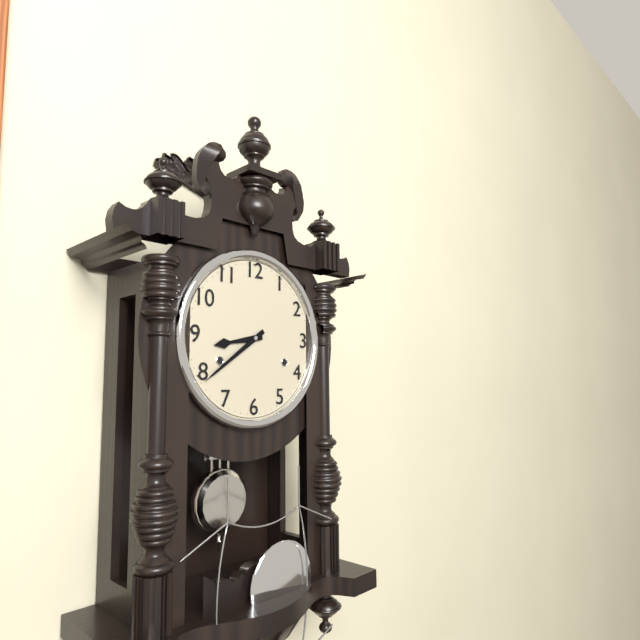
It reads 8h39
